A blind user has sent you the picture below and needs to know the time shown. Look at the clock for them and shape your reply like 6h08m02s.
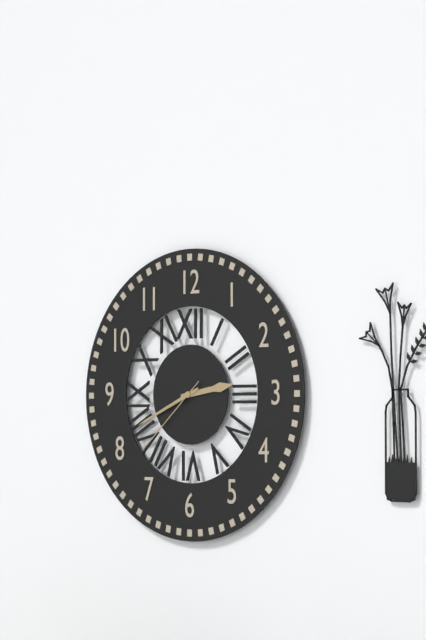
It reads 2h41m38s
